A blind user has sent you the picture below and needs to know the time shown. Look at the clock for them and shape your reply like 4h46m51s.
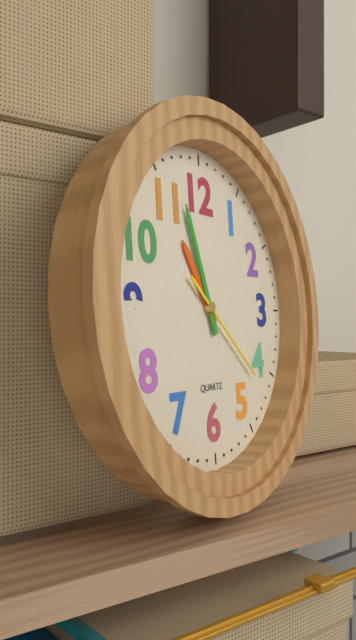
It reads 10h57m22s
